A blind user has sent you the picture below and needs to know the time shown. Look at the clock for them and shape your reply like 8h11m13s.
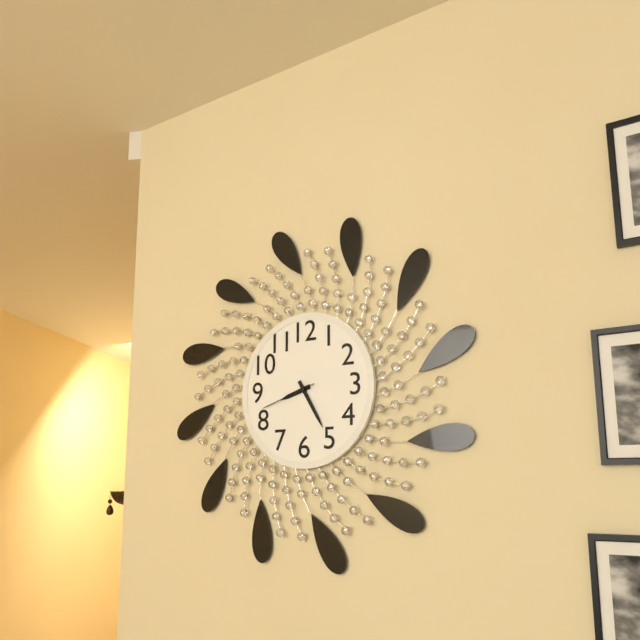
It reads 8h25m42s
